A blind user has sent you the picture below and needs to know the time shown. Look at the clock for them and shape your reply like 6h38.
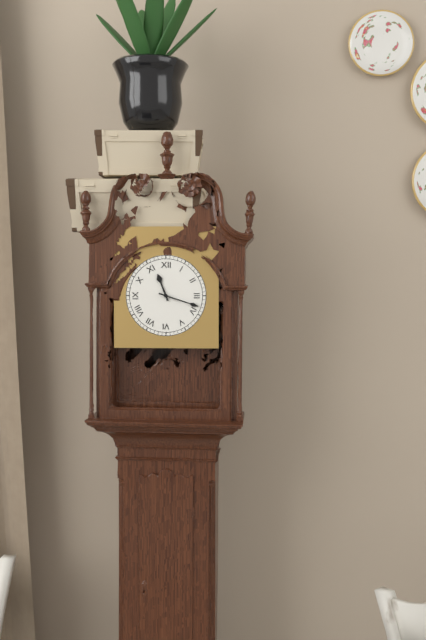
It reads 11h18
